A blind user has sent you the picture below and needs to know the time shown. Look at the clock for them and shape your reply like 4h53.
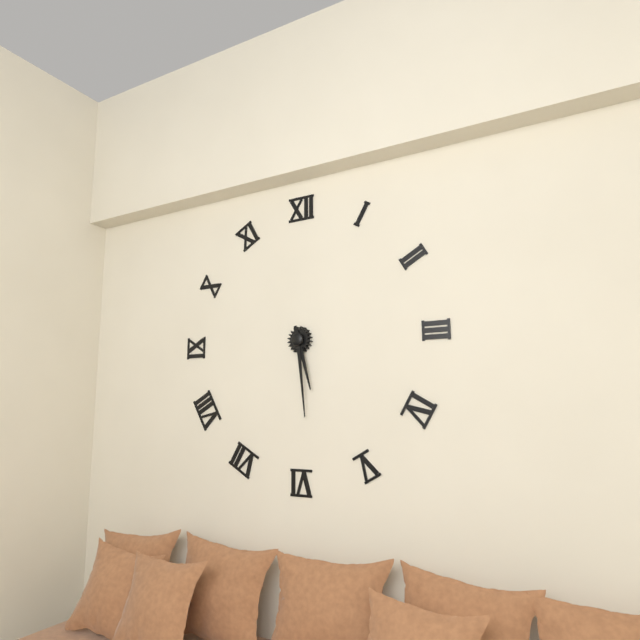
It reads 5h29
